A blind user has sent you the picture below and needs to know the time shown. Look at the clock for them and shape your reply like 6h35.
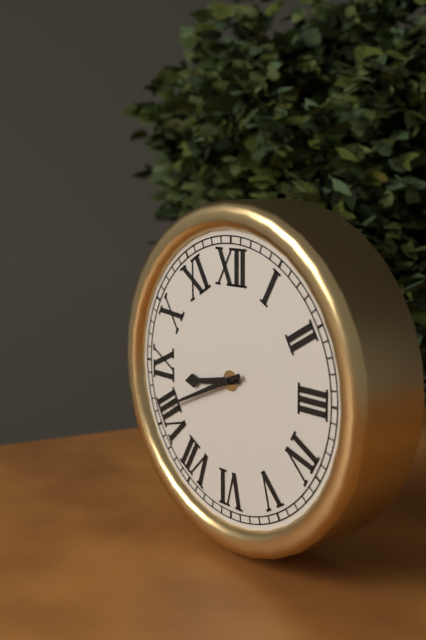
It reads 8h41
